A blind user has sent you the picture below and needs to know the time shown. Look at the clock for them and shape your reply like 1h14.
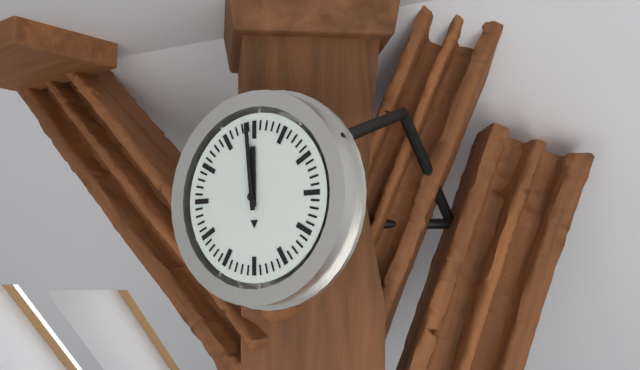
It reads 11h59
